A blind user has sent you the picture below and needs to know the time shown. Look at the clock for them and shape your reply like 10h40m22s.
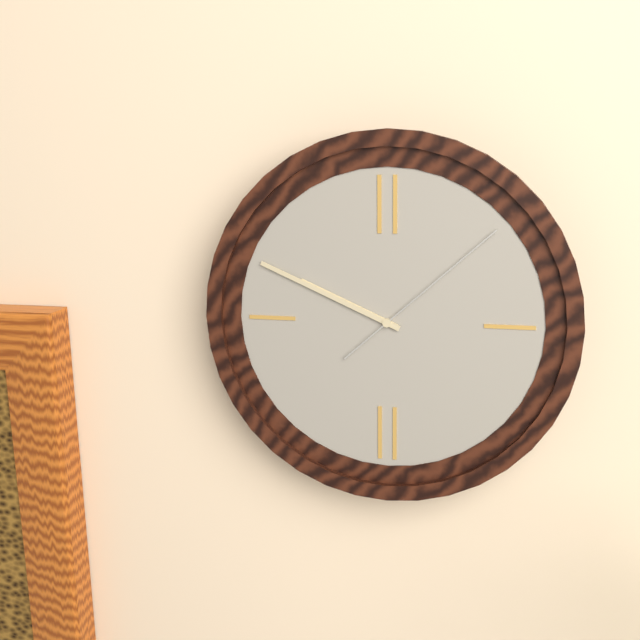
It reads 9h49m08s
